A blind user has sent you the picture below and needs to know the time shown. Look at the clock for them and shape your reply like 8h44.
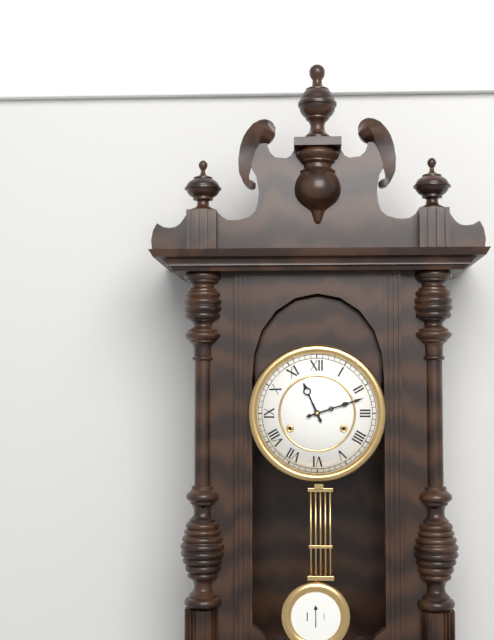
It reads 11h12
